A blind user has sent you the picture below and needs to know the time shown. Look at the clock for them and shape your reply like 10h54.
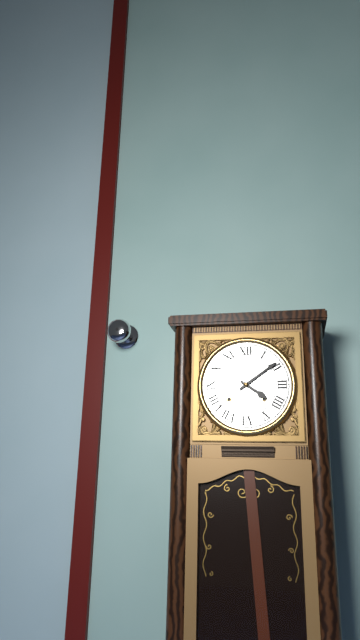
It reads 4h09
